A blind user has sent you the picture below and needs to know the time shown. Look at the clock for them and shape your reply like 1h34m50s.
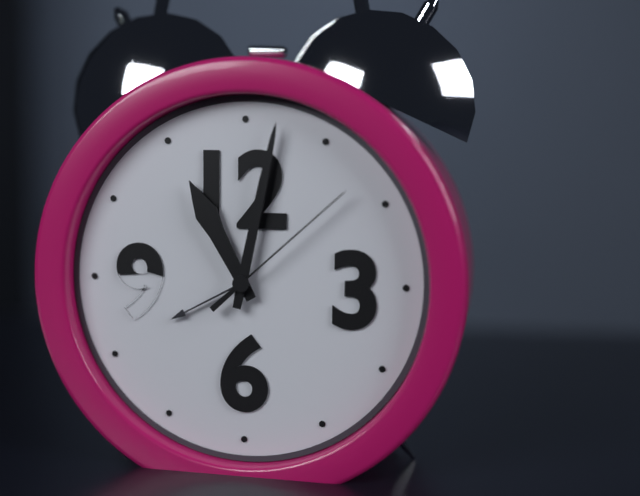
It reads 11h02m08s
